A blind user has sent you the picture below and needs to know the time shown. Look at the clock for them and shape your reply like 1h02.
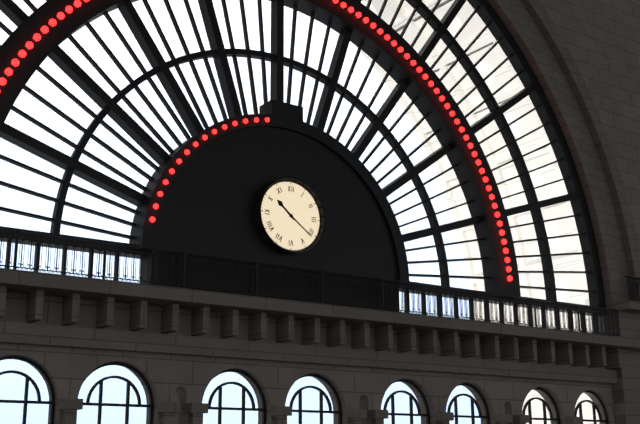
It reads 10h21
